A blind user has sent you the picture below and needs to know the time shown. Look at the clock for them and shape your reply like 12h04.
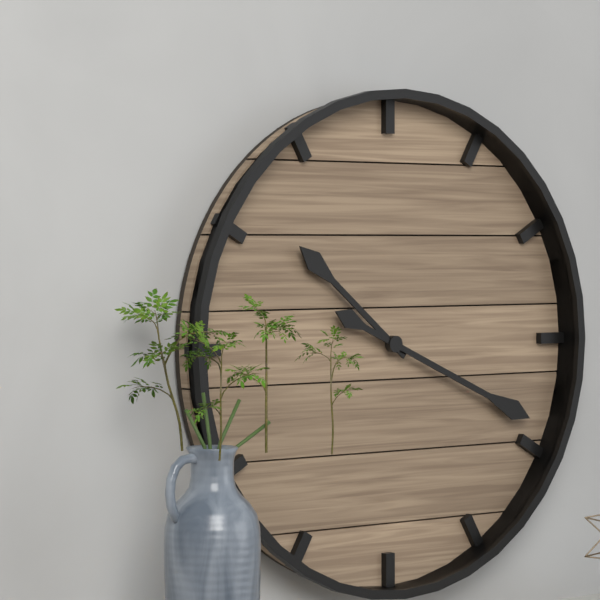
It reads 10h19
